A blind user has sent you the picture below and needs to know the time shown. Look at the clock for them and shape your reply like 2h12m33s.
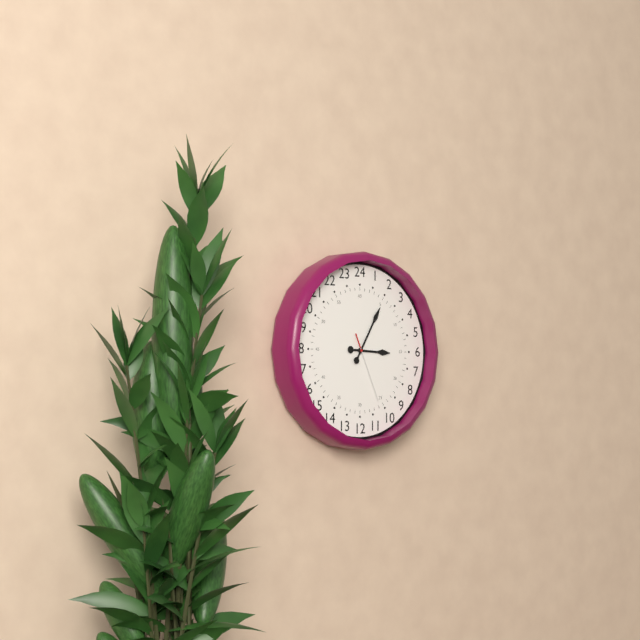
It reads 3h05m26s
